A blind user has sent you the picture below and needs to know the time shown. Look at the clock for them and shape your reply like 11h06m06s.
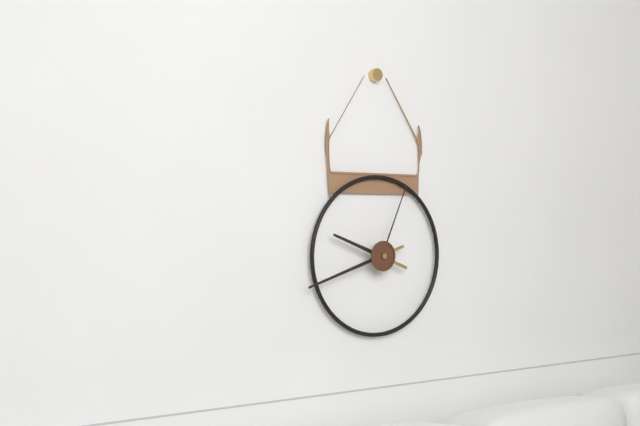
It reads 9h42m04s
